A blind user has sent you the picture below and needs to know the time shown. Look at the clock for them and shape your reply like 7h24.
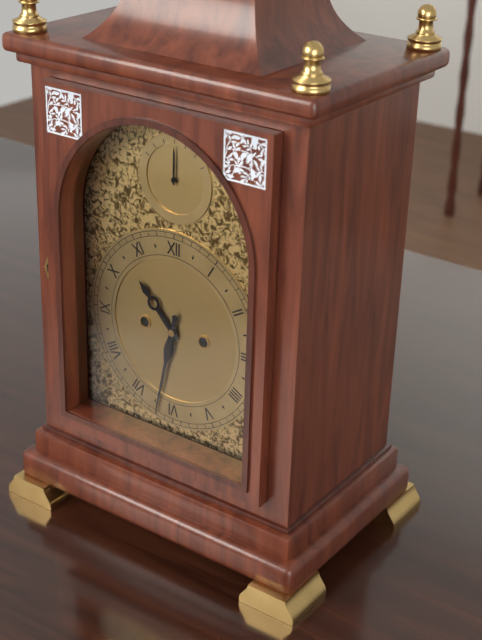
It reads 10h32
